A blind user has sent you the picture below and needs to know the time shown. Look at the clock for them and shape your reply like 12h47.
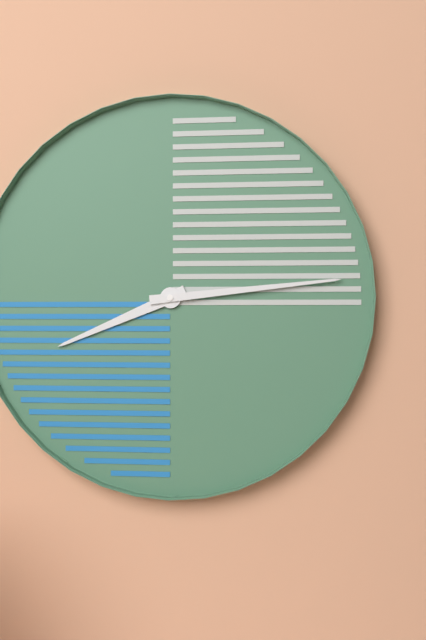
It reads 8h14
